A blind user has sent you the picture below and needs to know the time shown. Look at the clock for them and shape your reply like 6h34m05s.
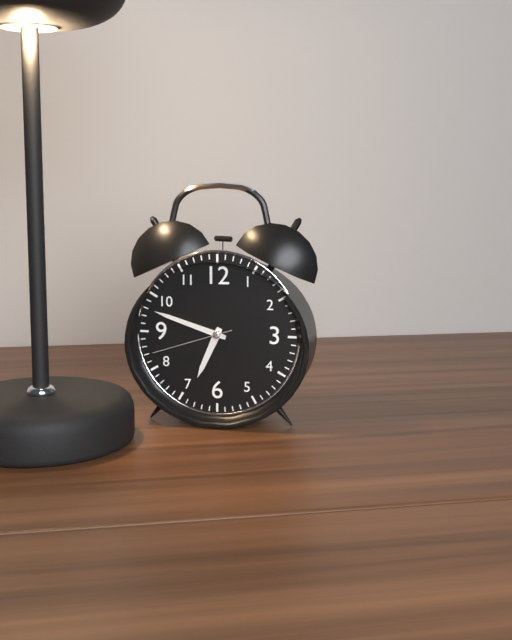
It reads 6h48m42s
